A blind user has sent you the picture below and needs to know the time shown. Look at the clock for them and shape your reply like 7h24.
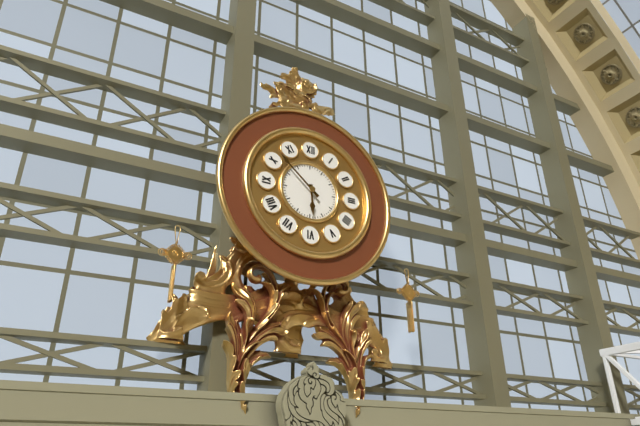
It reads 5h52
